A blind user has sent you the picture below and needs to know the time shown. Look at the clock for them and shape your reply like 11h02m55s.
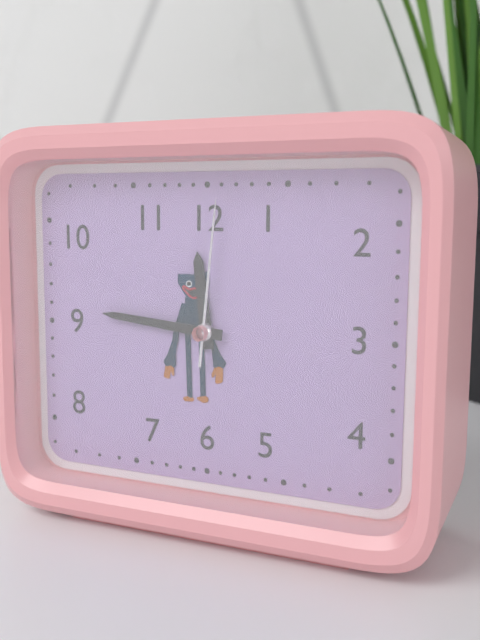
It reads 11h46m01s
